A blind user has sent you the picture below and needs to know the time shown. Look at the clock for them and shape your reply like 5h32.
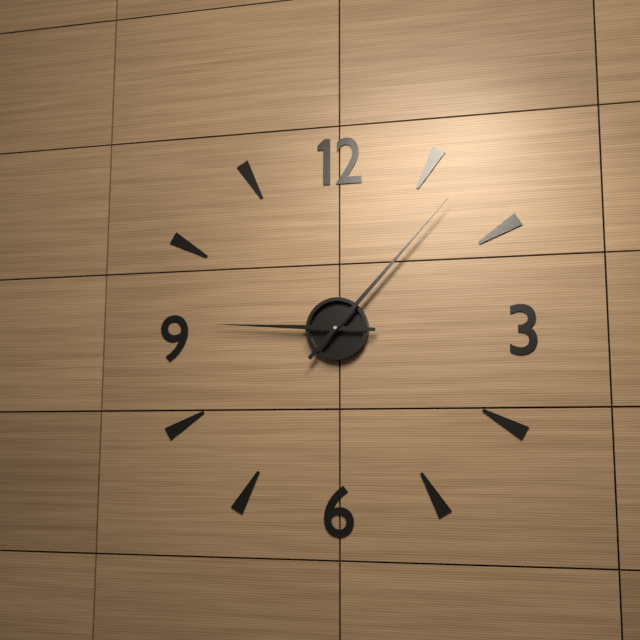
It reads 9h07
